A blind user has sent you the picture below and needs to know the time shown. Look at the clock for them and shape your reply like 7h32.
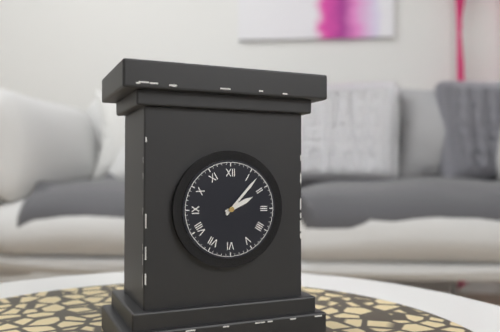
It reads 2h07
